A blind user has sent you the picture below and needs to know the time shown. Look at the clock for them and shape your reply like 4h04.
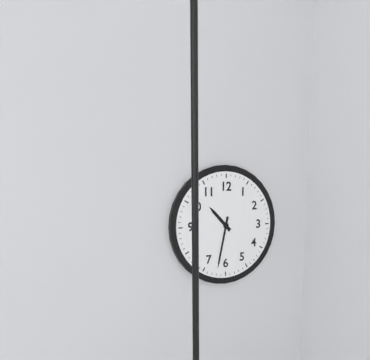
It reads 10h32
